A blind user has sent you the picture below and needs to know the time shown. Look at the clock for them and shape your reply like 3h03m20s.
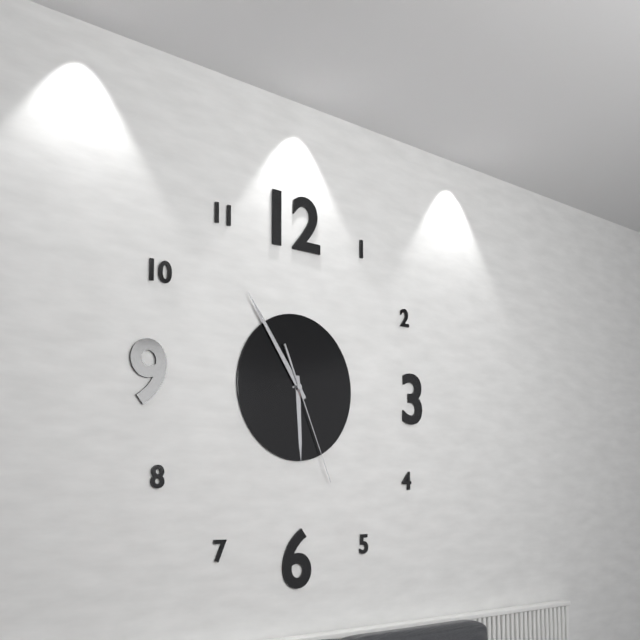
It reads 5h54m26s
